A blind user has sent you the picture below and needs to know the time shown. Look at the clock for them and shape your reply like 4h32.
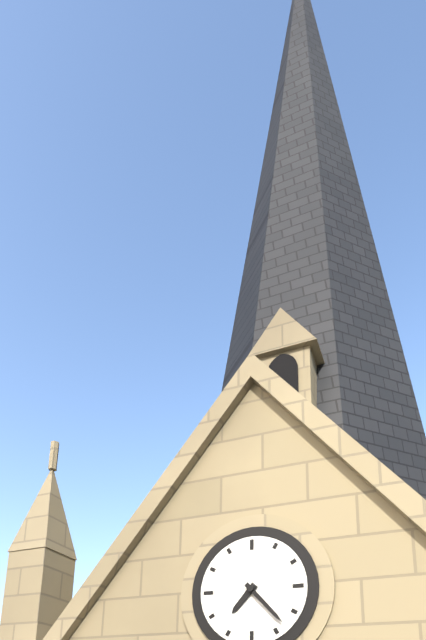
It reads 7h23
